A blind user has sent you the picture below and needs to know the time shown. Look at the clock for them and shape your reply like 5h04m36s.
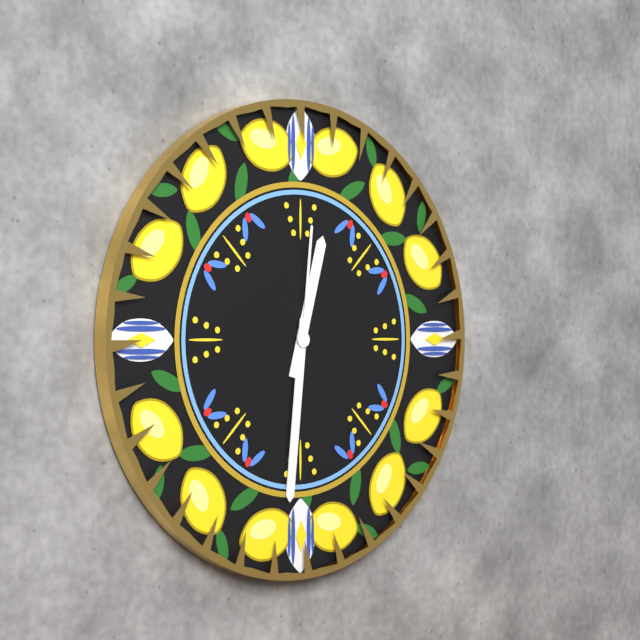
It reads 12h31m01s
